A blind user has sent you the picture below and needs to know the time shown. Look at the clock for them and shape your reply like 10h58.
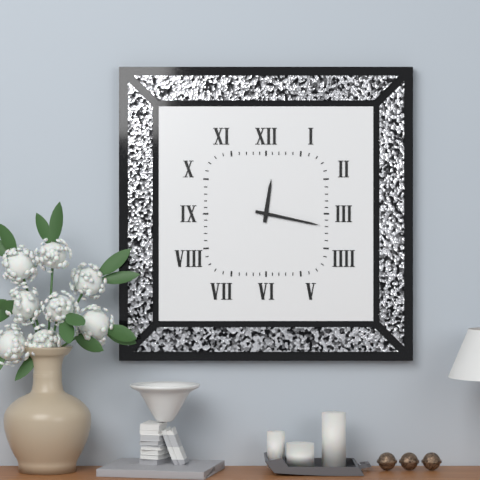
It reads 12h17
